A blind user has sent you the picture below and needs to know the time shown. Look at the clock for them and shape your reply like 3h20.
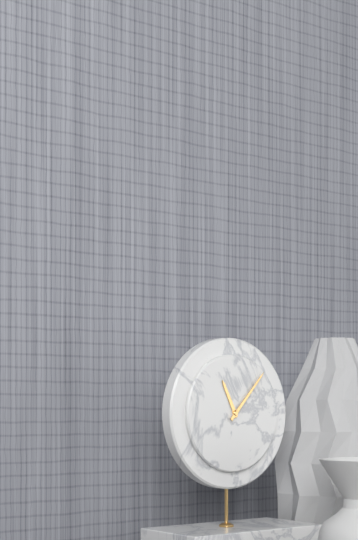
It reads 11h07
